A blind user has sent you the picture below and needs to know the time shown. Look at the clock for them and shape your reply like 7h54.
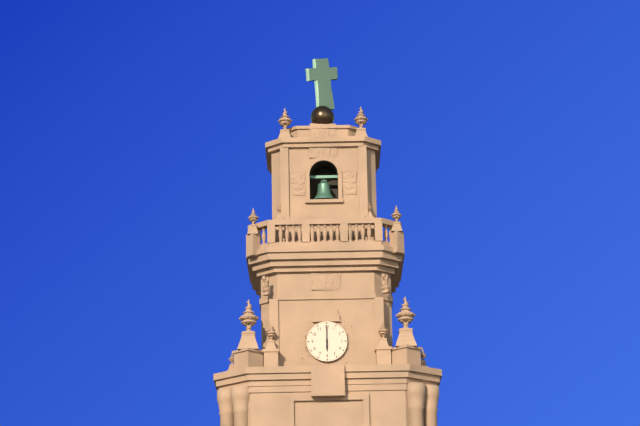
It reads 6h00
